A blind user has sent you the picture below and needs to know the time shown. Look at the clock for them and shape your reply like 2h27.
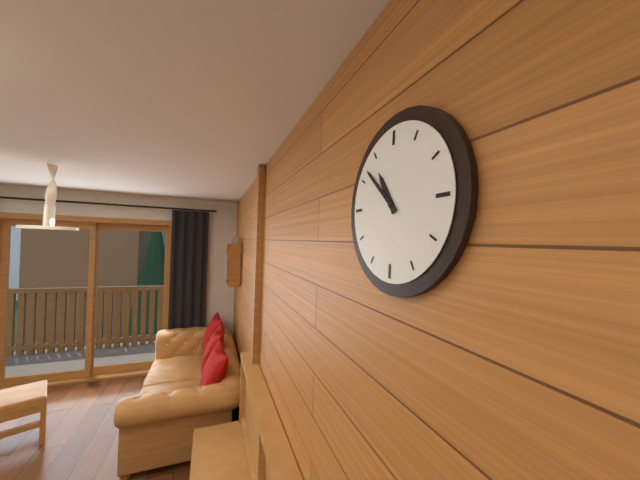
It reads 10h52
